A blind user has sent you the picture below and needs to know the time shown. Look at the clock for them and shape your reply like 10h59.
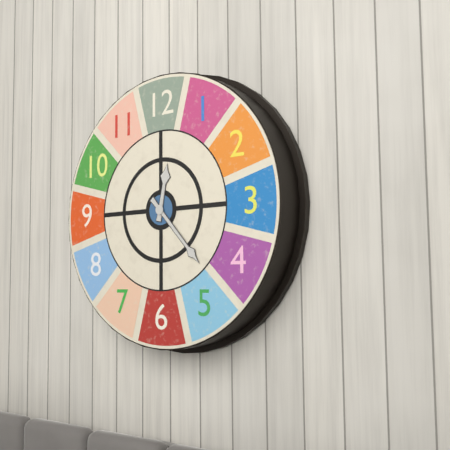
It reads 12h23
